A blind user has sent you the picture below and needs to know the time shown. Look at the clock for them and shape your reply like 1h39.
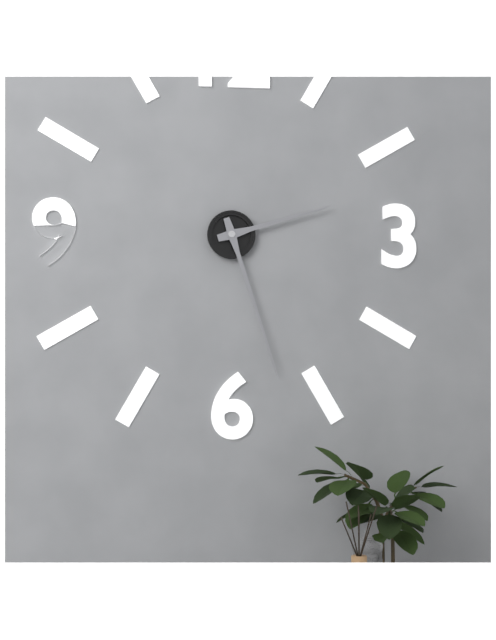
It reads 2h27
